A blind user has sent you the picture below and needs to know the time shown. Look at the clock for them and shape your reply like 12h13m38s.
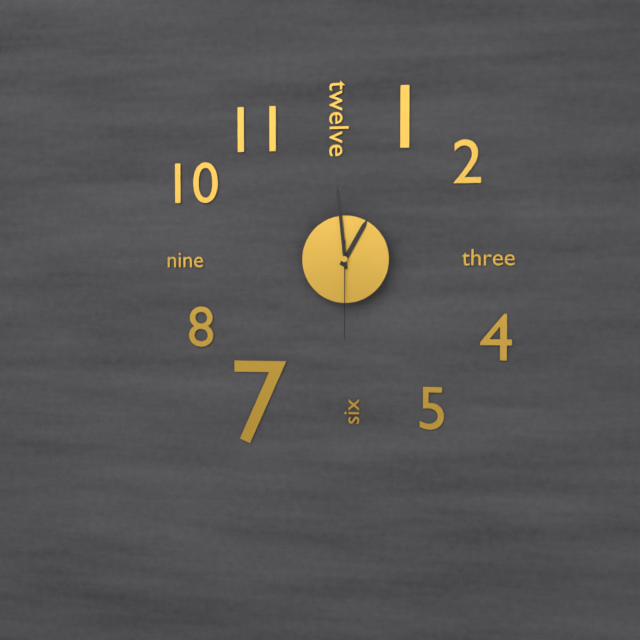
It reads 12h59m30s
